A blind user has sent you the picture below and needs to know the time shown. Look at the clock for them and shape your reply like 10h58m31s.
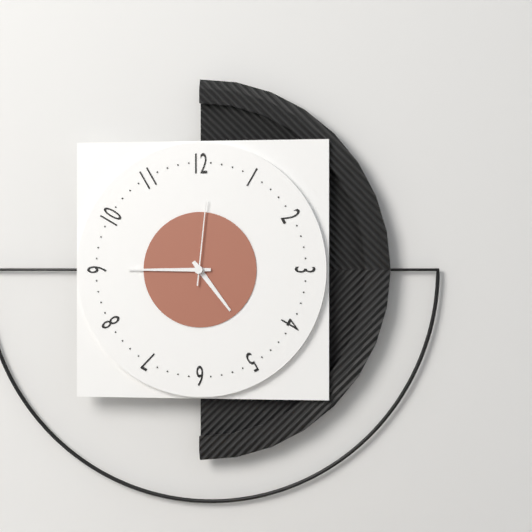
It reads 4h45m01s
